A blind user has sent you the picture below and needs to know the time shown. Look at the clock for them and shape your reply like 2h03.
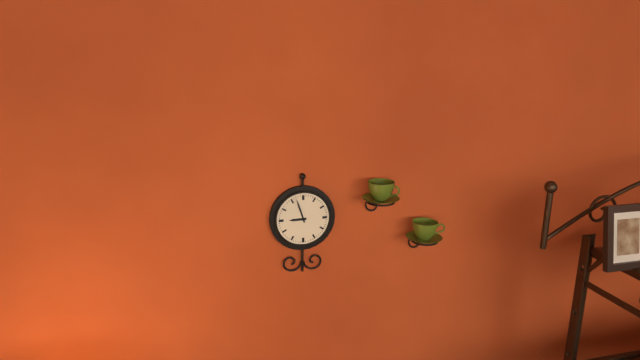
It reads 8h57
